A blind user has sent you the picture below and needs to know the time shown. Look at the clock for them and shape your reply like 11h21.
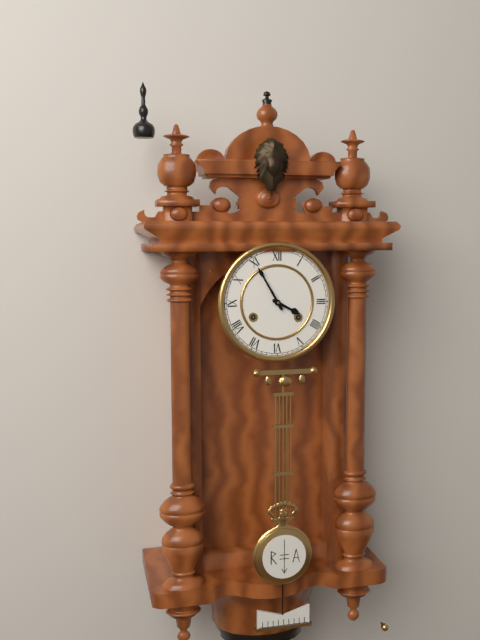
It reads 3h55
